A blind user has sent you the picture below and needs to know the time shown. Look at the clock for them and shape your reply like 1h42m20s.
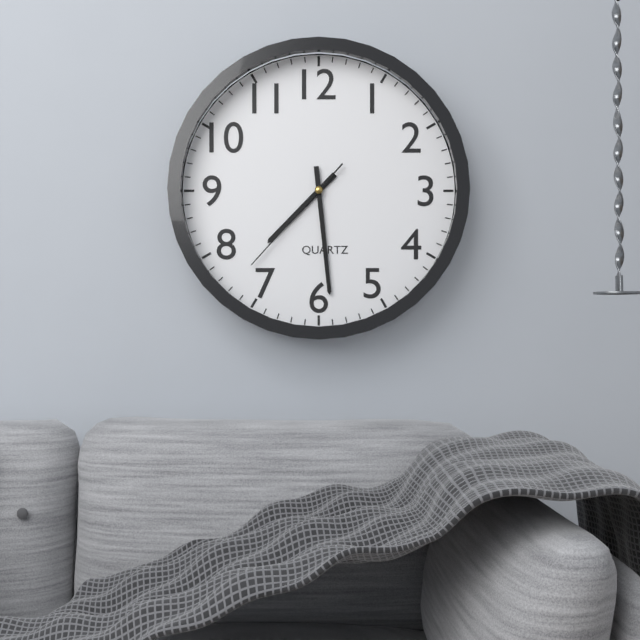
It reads 7h29m37s
